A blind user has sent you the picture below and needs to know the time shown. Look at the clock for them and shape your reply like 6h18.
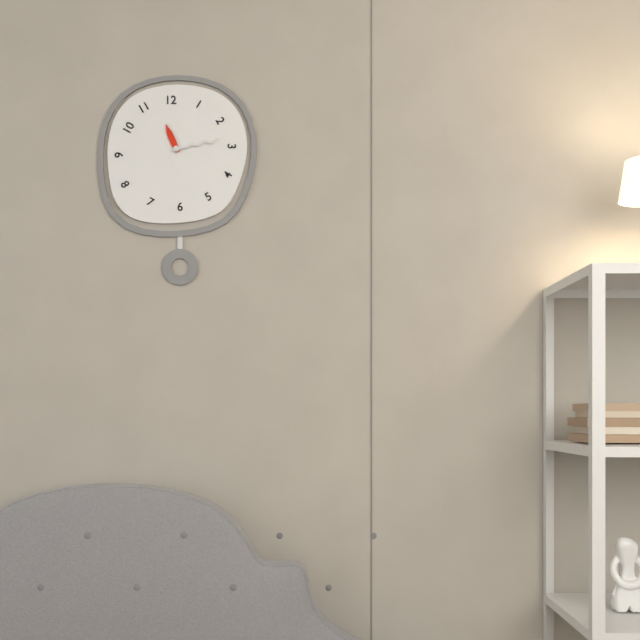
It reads 11h13
